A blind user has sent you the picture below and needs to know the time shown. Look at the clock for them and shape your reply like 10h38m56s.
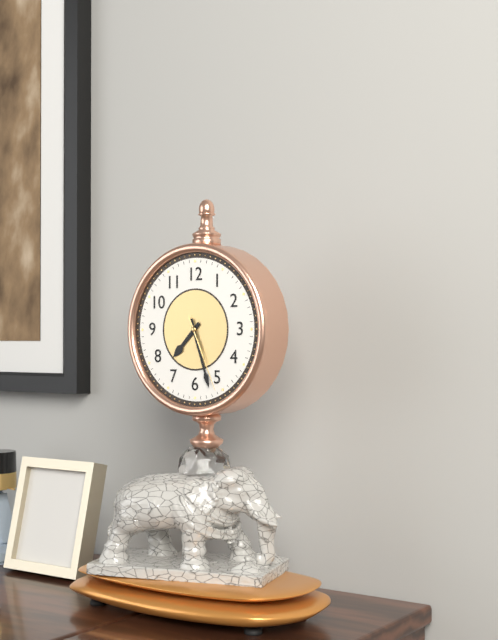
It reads 7h27m26s
